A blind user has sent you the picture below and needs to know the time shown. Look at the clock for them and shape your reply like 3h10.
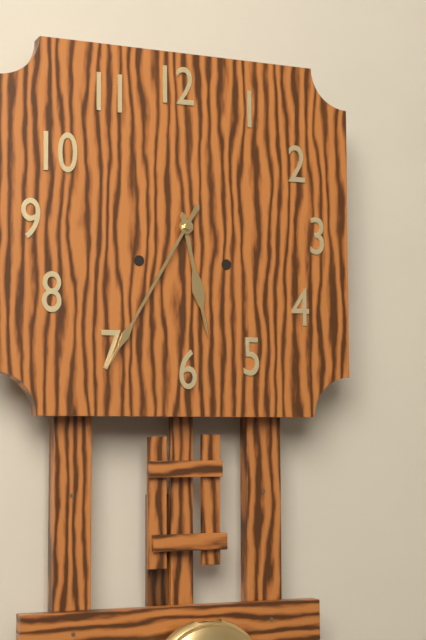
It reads 5h35
